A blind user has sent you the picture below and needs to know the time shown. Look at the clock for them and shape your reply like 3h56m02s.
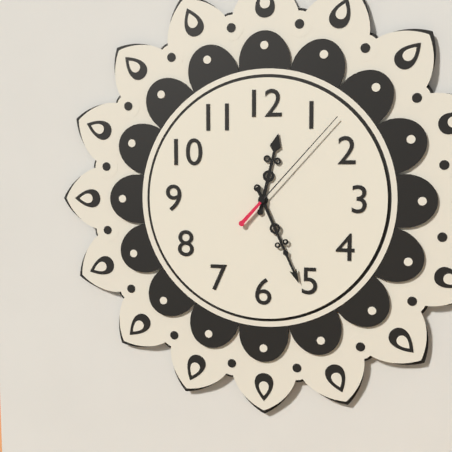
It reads 12h26m07s
